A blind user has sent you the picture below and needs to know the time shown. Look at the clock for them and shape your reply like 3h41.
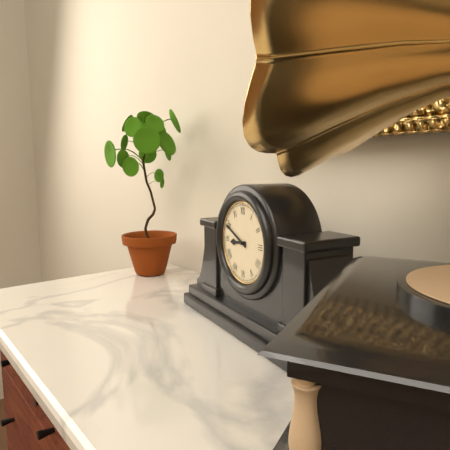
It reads 8h49
